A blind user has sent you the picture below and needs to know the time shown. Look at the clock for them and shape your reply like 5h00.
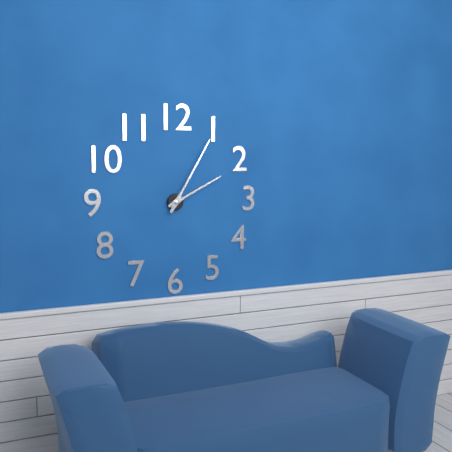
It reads 2h05
